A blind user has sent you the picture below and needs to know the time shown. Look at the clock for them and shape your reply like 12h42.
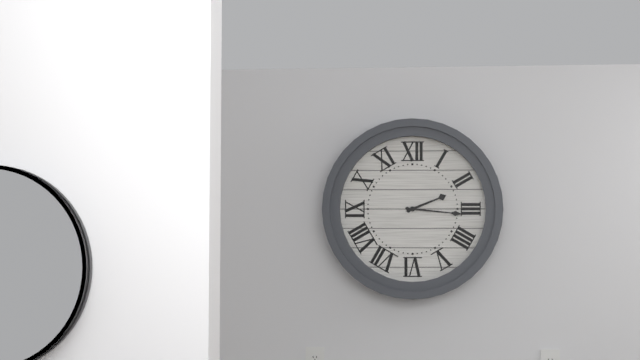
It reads 2h16
